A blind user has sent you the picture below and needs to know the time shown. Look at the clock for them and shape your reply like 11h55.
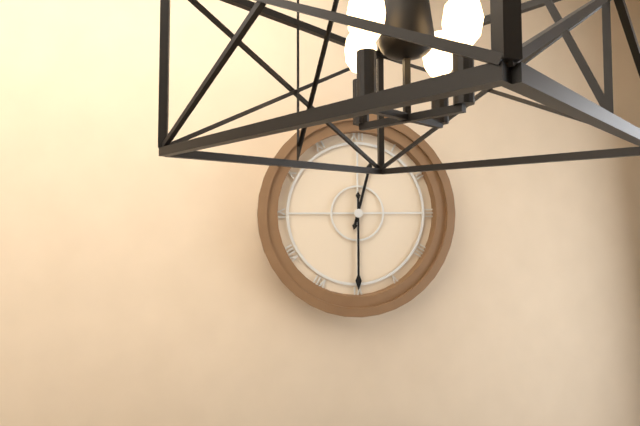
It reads 12h30
